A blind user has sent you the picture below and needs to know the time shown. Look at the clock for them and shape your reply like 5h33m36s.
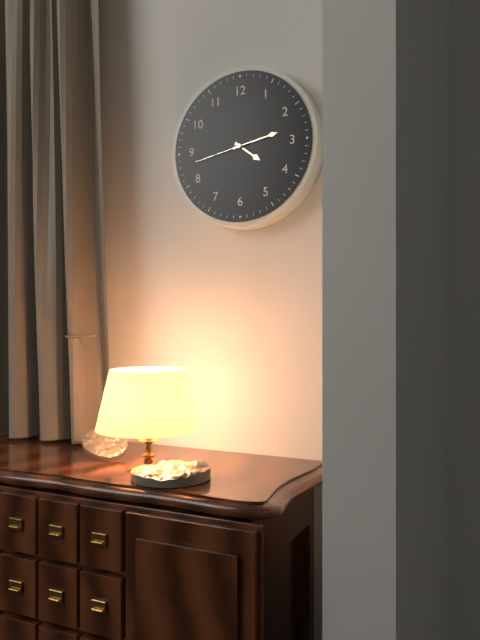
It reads 4h13m43s
